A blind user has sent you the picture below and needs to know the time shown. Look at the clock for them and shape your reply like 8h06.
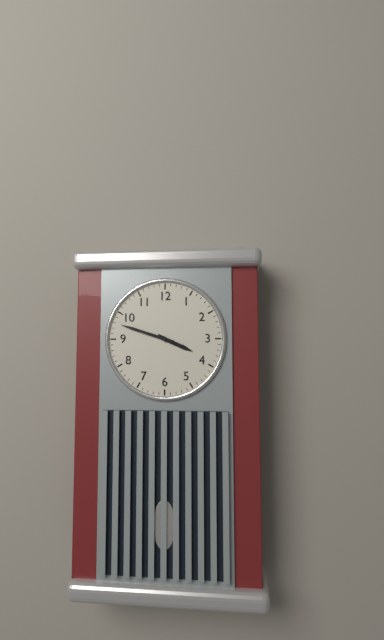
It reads 3h48
